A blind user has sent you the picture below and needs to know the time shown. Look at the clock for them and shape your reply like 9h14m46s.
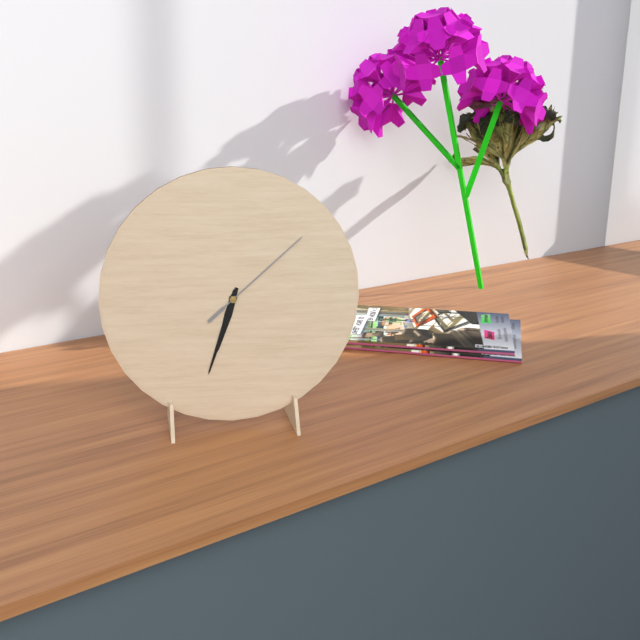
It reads 6h33m08s
